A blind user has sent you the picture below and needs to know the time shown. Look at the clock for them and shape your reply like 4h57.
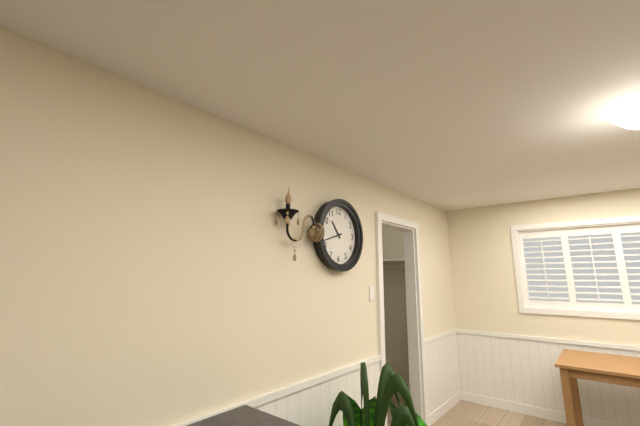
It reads 10h42
